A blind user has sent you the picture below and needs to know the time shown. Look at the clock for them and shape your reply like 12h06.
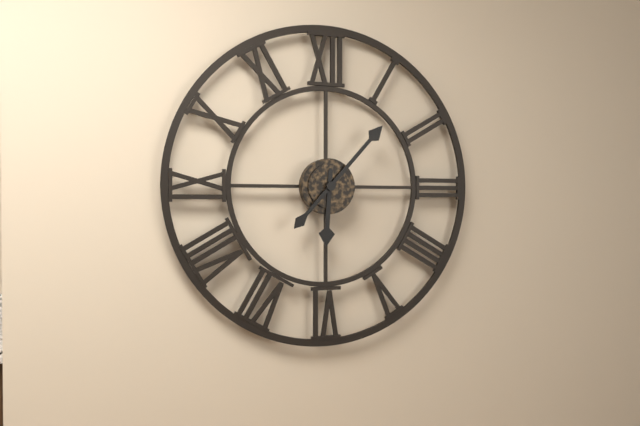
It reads 6h07
